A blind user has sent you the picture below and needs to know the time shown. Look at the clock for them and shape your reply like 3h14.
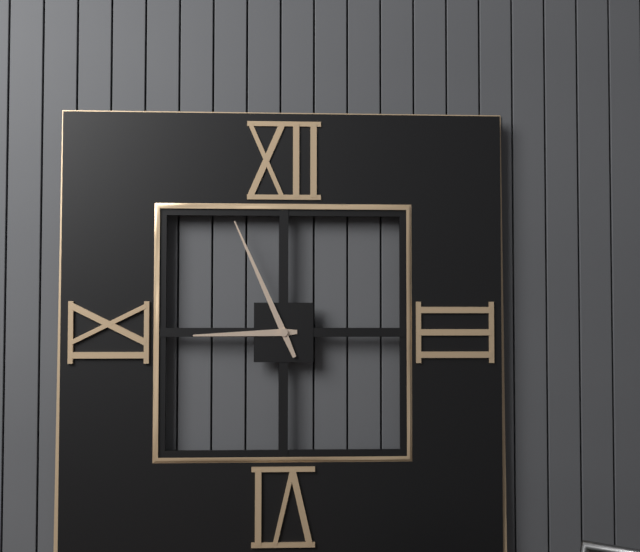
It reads 8h56
